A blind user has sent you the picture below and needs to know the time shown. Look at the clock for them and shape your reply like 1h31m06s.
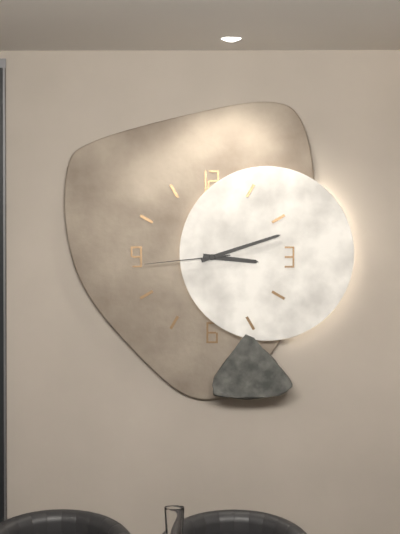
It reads 3h12m44s
